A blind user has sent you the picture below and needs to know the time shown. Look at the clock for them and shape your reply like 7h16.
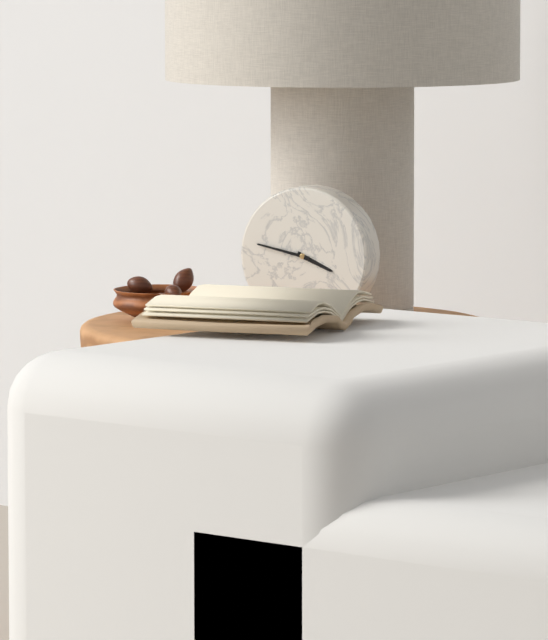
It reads 3h47
